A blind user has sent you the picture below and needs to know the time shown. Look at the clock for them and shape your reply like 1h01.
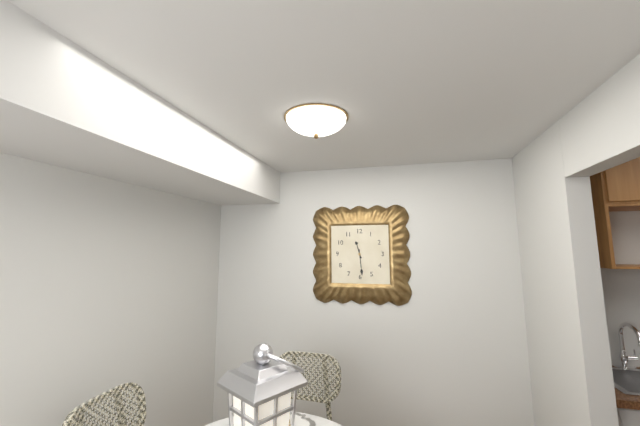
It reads 11h29
